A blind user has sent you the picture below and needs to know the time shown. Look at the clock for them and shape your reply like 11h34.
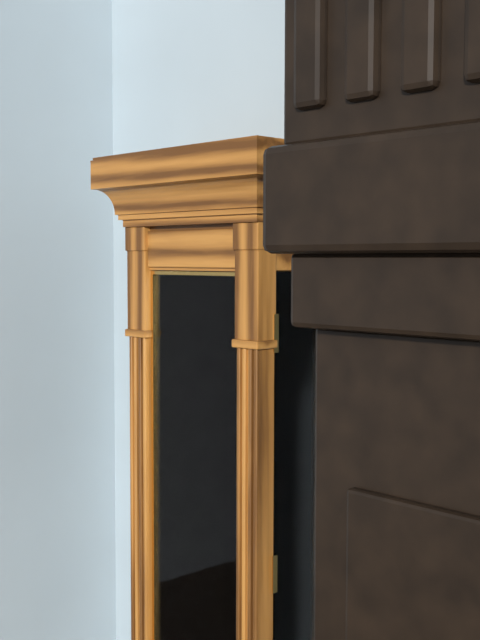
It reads 8h56
